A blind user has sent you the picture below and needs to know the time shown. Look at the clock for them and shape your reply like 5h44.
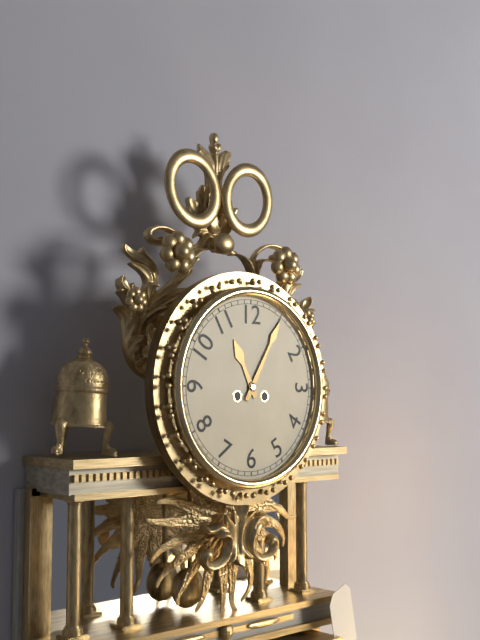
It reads 11h05
